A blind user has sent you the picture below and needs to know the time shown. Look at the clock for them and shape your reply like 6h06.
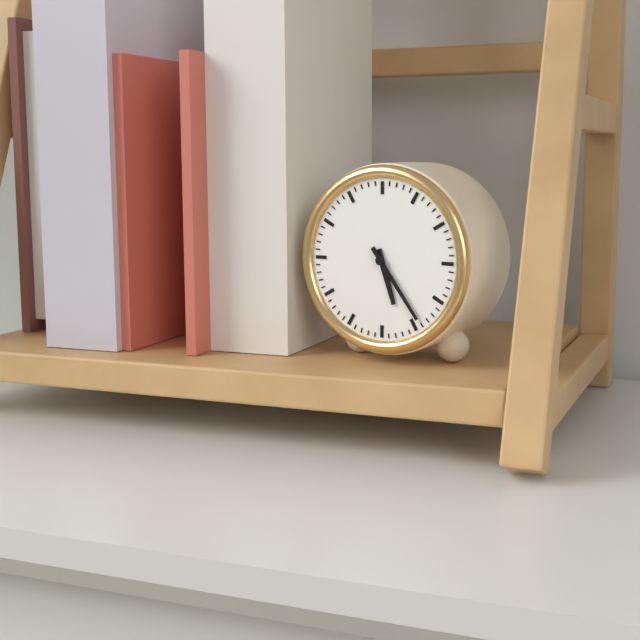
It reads 5h24
